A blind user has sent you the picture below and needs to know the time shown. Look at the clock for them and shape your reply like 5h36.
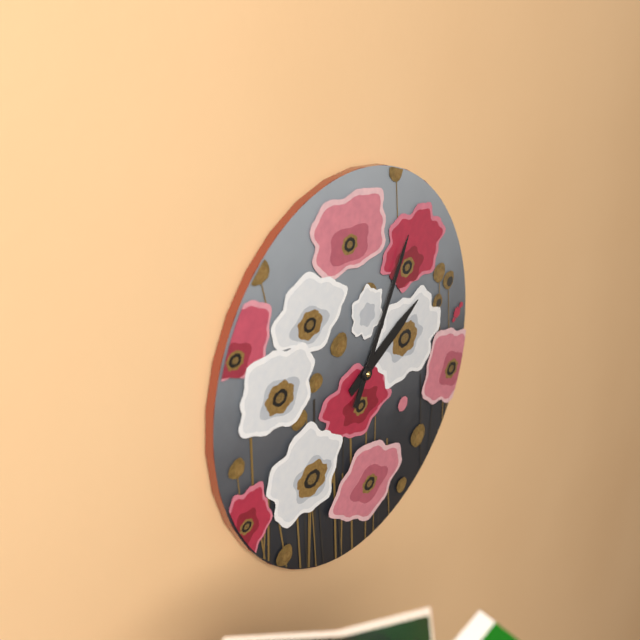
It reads 2h05
